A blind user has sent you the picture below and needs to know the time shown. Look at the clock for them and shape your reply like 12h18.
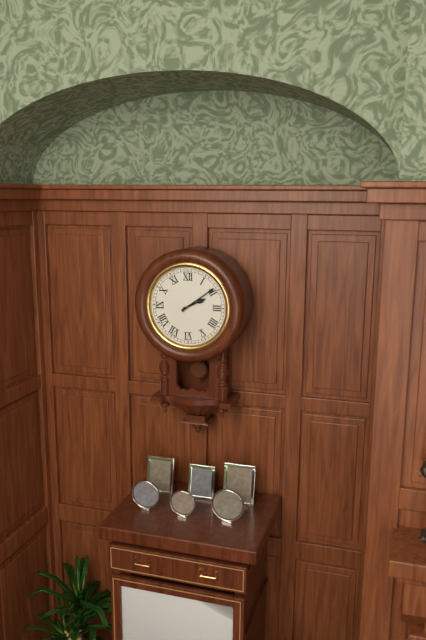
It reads 2h09
